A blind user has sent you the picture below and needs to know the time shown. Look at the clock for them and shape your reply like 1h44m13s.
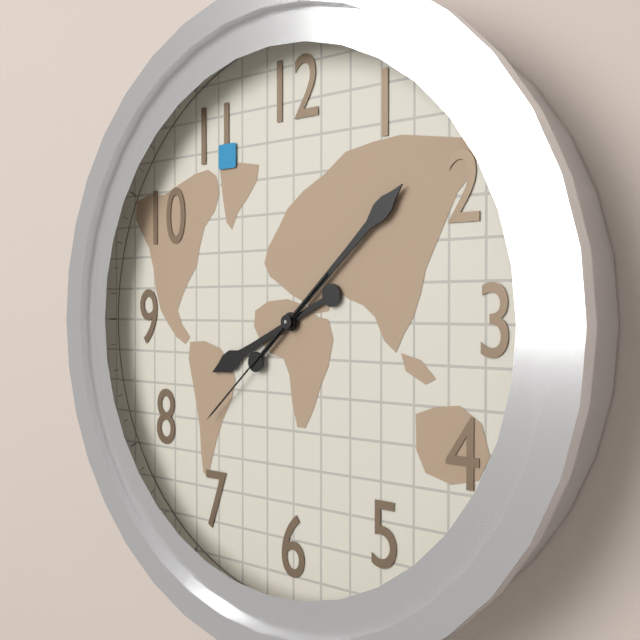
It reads 8h08m38s
